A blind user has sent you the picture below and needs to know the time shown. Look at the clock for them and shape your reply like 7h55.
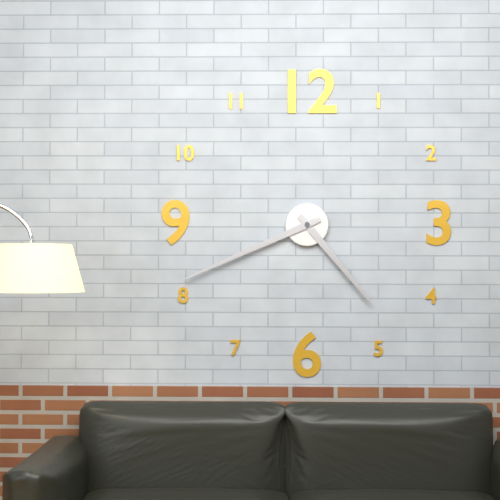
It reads 4h41
